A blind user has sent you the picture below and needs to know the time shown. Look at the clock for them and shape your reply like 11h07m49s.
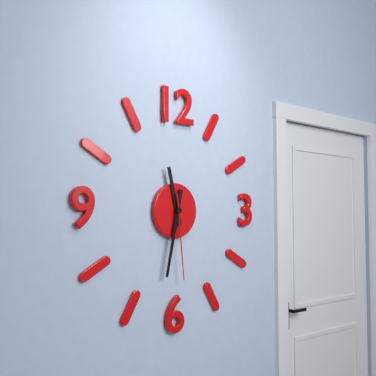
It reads 11h32m29s
